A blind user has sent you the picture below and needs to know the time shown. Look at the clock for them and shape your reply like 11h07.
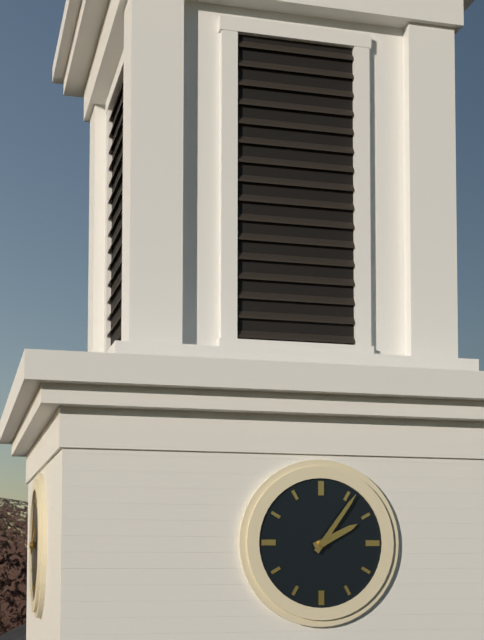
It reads 2h06
